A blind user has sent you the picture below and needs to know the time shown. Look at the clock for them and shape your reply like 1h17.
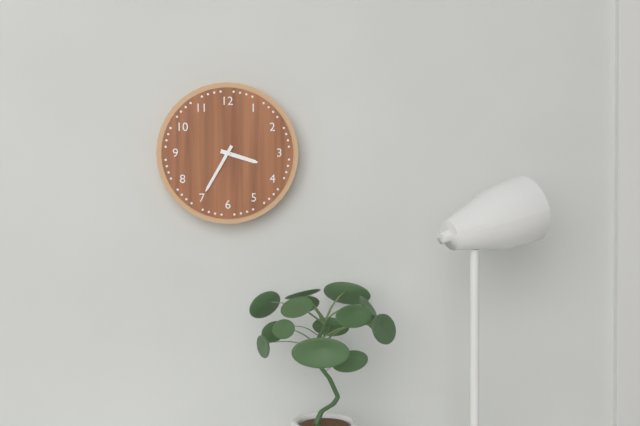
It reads 3h35
